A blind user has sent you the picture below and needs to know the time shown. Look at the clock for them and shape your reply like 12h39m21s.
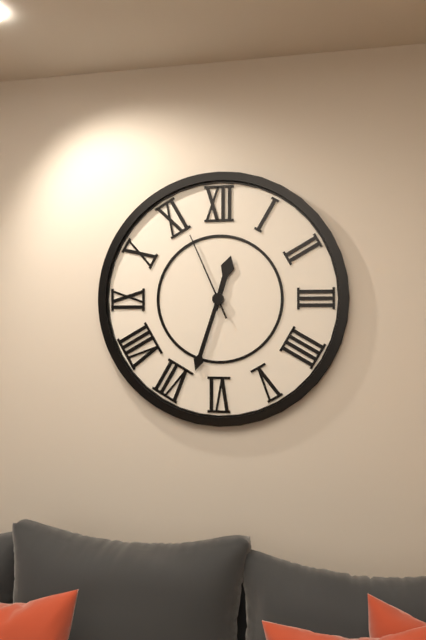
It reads 12h33m56s
